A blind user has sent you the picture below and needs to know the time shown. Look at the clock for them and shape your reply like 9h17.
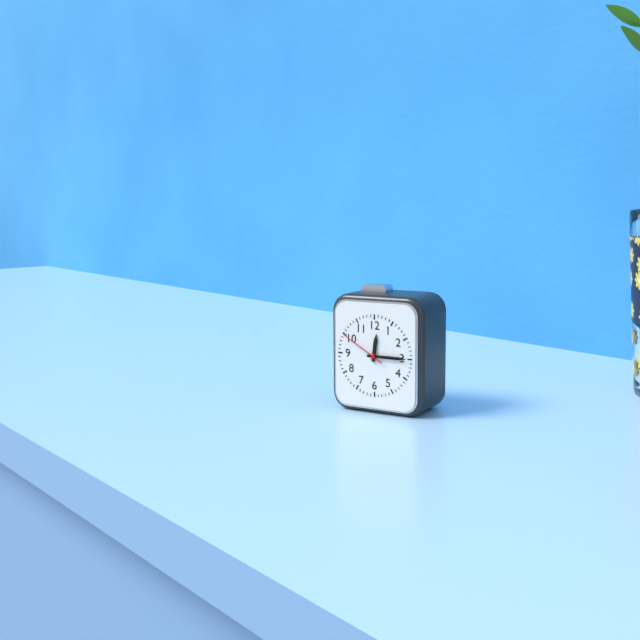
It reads 12h15
